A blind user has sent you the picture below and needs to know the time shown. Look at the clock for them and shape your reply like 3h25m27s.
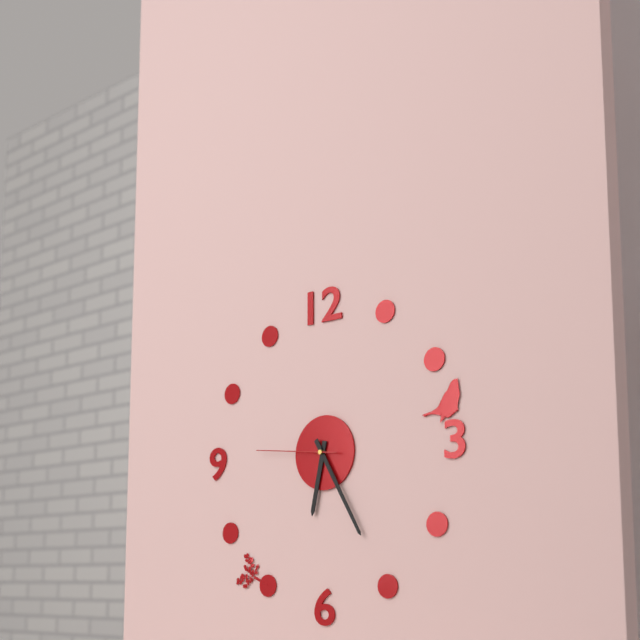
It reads 6h25m46s
